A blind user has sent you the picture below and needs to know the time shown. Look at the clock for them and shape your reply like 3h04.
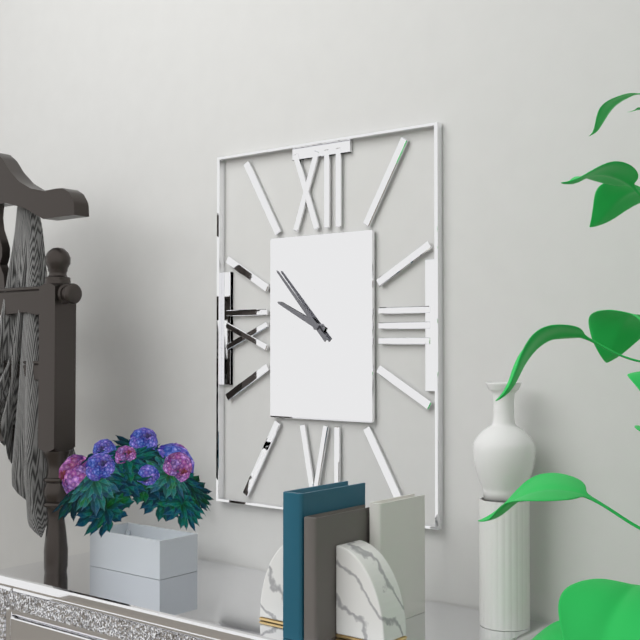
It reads 9h53
